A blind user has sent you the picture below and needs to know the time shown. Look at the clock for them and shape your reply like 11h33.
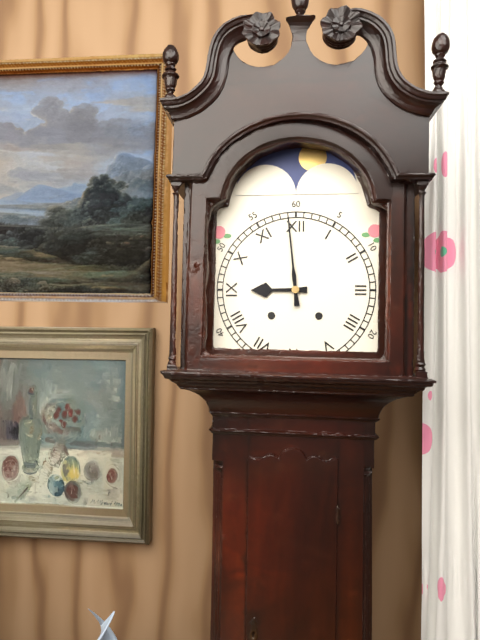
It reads 8h59
